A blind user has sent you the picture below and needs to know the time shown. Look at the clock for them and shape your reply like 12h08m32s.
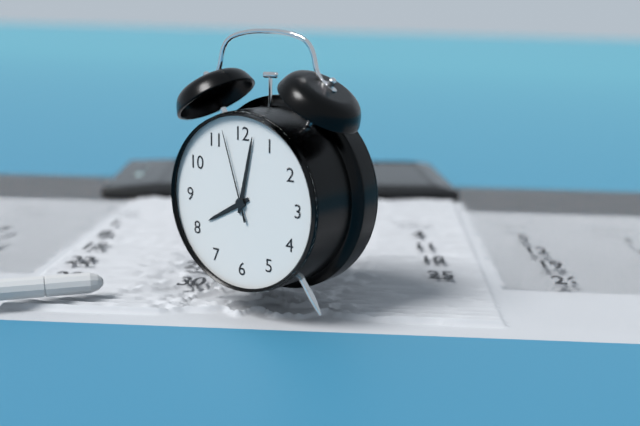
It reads 8h02m57s
